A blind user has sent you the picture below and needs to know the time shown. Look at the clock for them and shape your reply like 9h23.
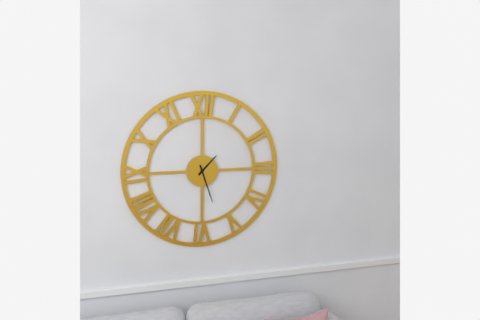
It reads 1h27
